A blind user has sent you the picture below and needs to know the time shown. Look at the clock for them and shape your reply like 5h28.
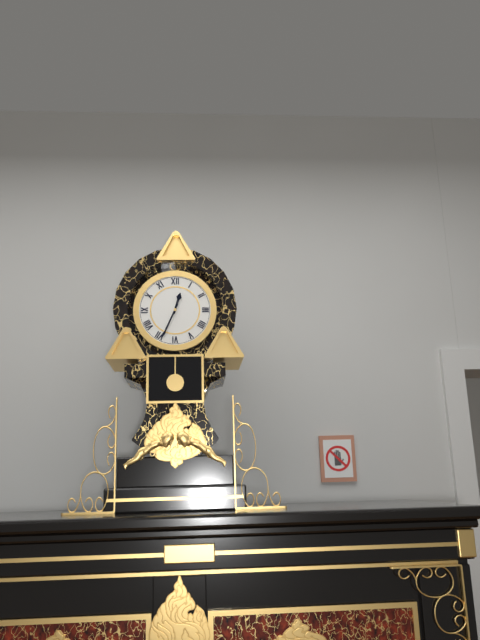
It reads 12h34
